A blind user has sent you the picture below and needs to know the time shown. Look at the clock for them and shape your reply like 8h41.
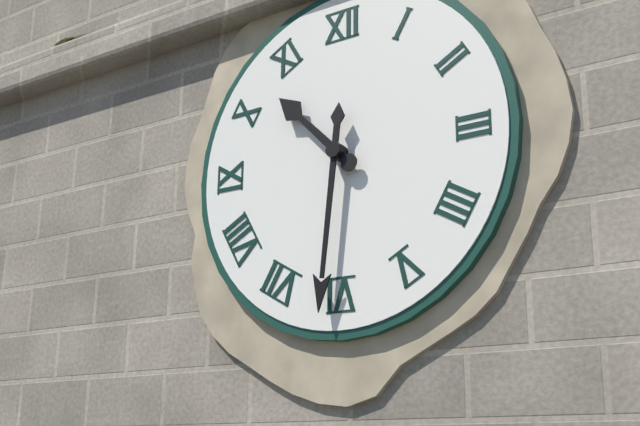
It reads 10h31
